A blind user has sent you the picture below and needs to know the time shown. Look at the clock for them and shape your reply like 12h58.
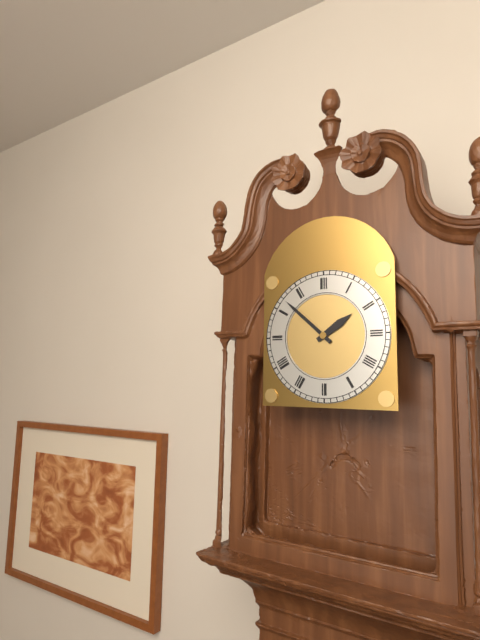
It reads 1h52
